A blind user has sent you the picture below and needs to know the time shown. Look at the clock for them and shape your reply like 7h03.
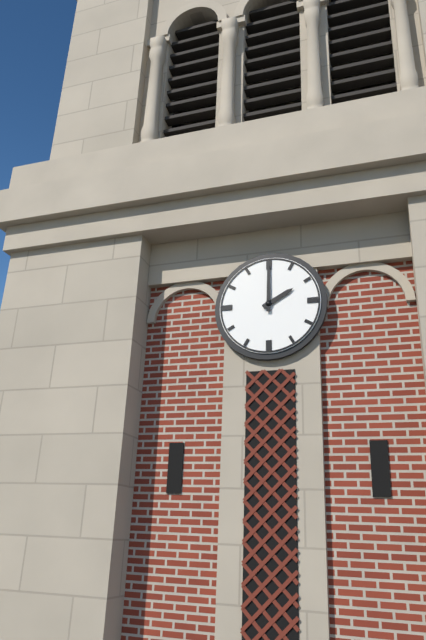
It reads 2h00
